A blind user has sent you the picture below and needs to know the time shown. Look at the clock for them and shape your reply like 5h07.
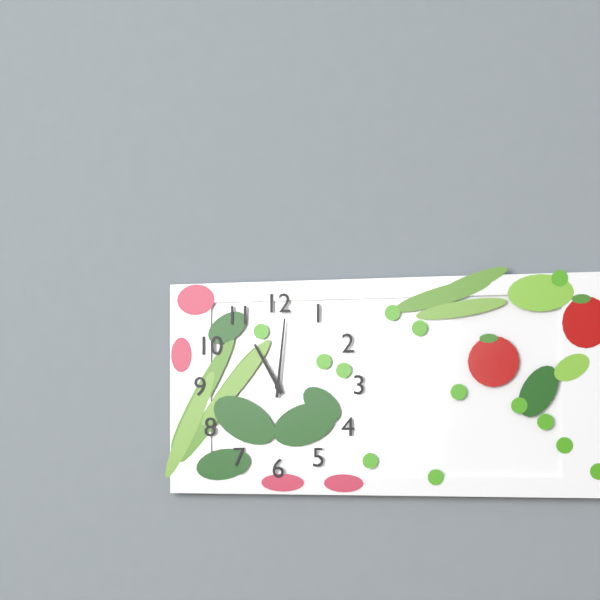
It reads 11h01
